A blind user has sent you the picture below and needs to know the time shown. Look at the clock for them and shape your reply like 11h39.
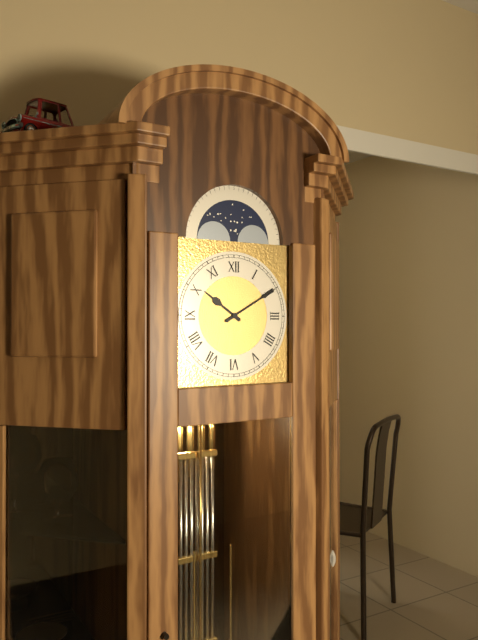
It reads 10h10
